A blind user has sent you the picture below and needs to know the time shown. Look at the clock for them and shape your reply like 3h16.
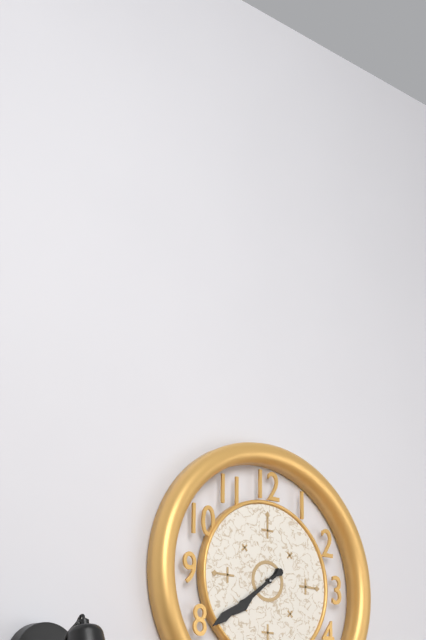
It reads 7h39
